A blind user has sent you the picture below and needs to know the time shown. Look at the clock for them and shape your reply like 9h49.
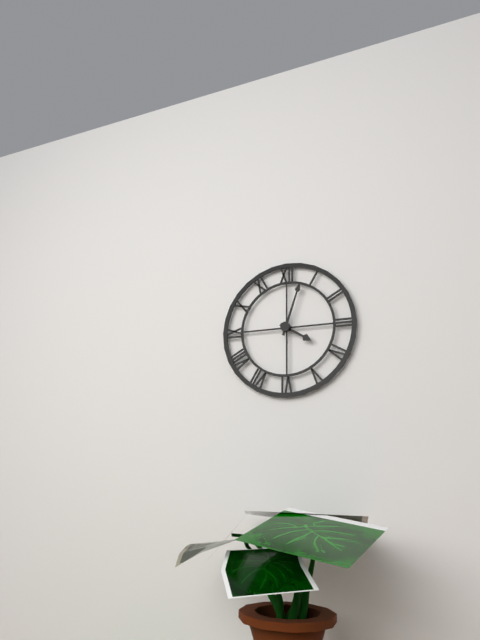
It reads 4h03
